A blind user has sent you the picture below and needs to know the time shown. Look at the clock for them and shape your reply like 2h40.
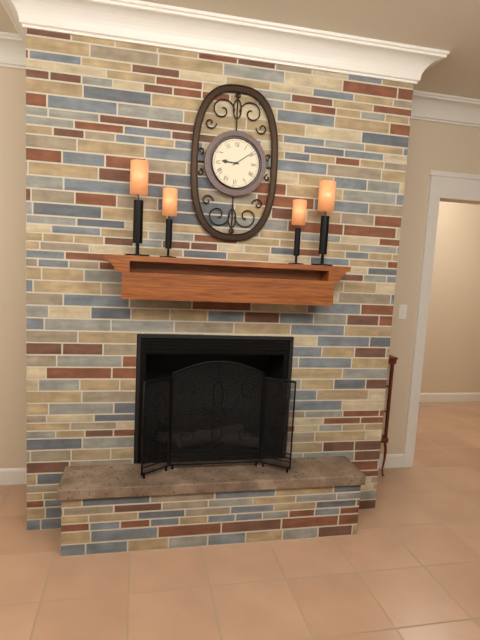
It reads 9h09
